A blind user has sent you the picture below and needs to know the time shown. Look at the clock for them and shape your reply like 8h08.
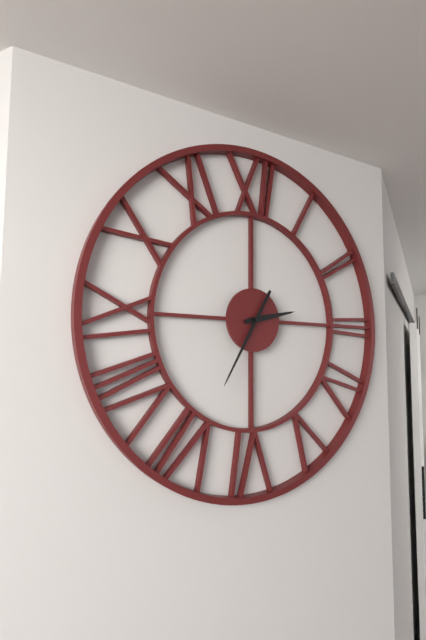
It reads 2h35
